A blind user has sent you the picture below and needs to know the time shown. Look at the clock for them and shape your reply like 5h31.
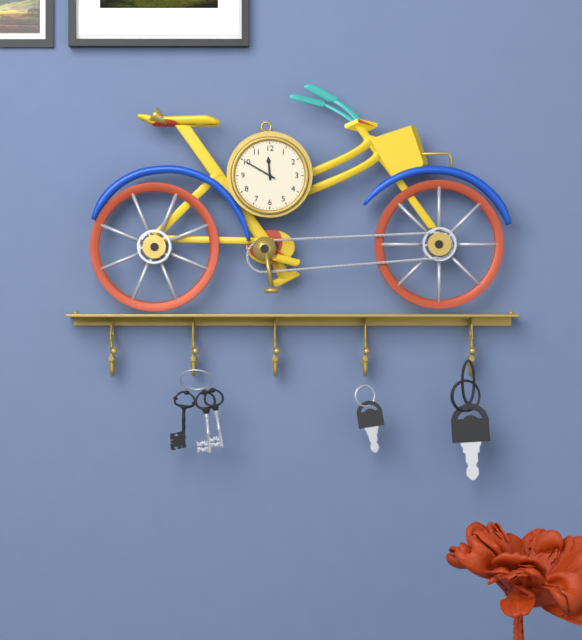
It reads 11h50
